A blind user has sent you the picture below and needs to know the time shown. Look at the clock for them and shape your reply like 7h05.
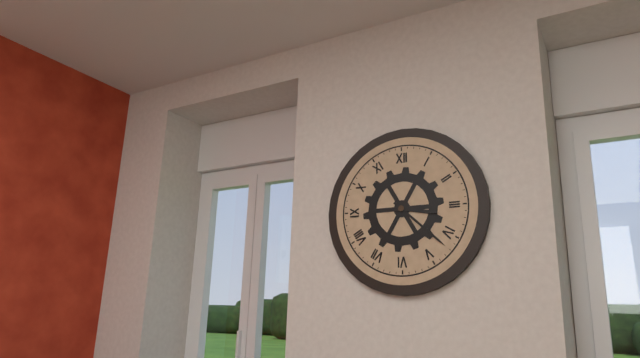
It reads 3h22
